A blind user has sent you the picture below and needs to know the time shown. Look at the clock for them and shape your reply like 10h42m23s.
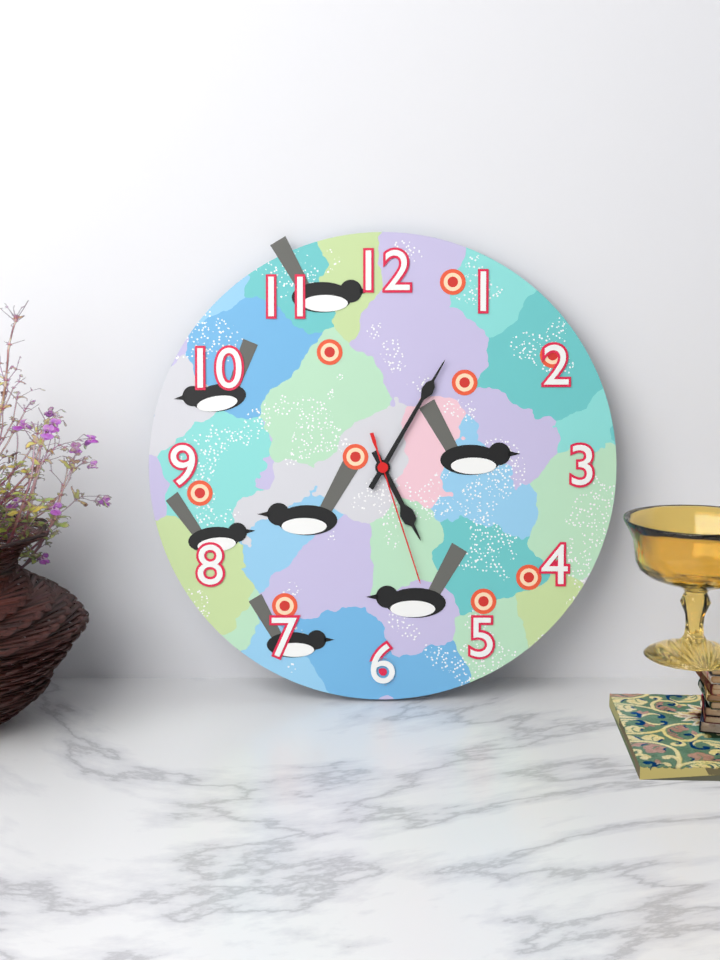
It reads 5h05m27s
